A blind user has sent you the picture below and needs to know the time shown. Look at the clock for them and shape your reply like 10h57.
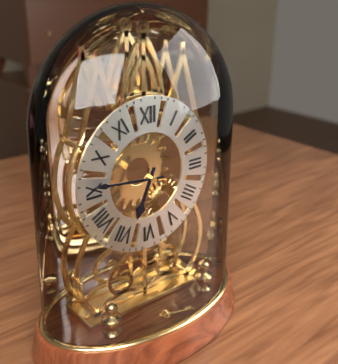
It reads 6h46
